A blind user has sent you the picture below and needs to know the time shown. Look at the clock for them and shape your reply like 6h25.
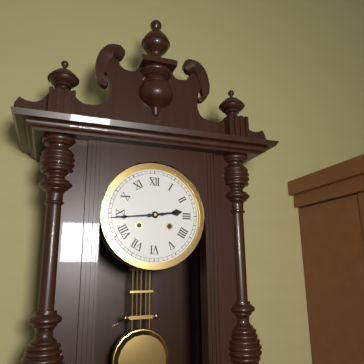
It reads 2h44
